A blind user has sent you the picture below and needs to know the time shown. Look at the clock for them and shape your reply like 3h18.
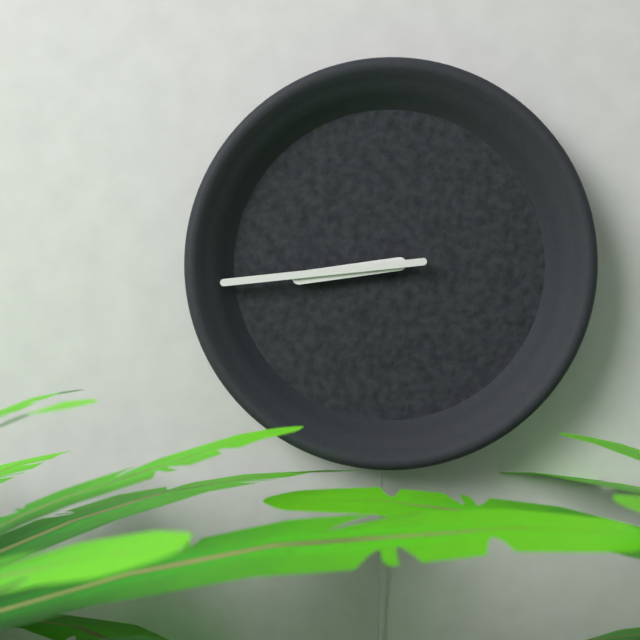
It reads 8h44
